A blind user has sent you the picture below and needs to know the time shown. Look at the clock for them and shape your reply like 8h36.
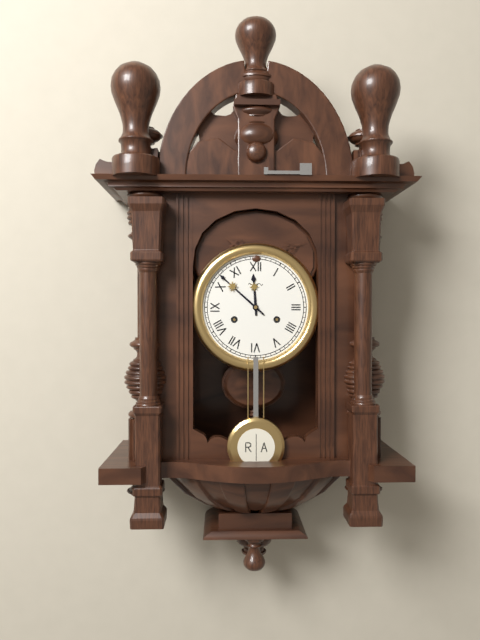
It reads 11h52
